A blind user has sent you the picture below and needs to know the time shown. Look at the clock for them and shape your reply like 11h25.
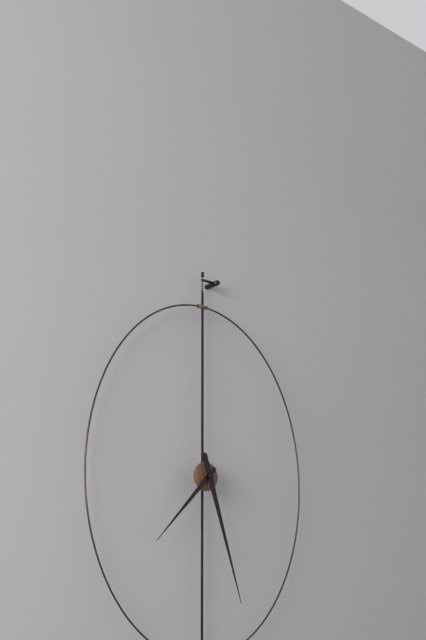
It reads 7h27
